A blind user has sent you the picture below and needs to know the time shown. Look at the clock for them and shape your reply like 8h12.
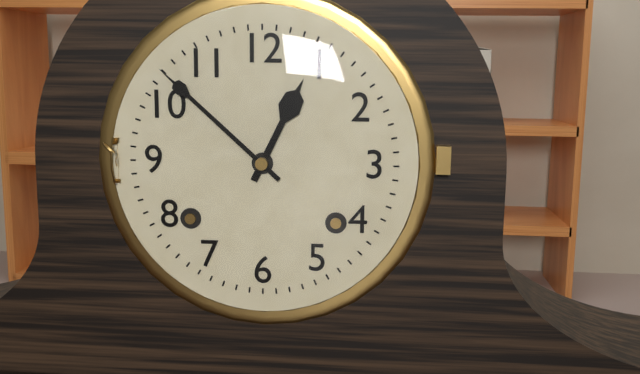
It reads 12h52
